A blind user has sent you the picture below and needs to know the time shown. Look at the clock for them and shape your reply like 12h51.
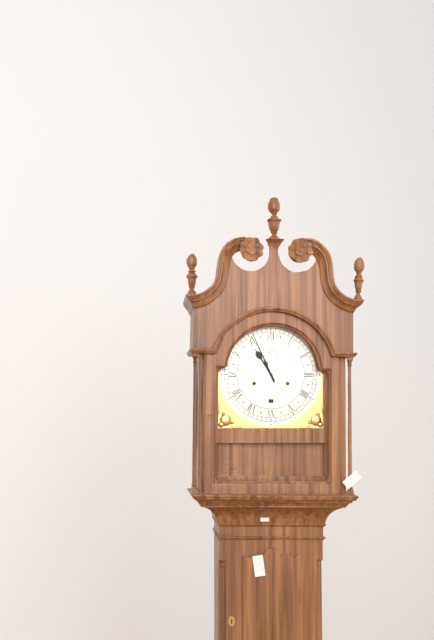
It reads 10h56
